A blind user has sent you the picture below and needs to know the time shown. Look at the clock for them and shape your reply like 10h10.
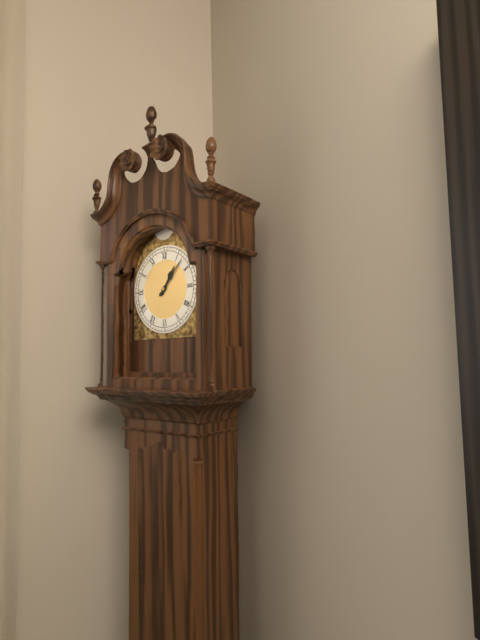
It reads 1h07
